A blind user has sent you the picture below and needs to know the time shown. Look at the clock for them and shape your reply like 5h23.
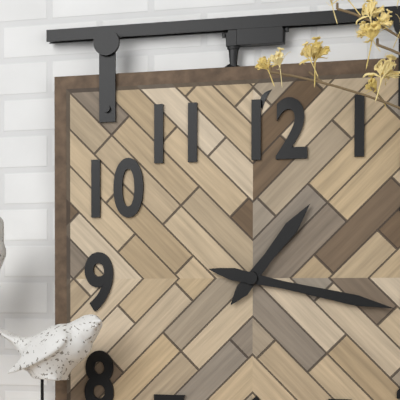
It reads 1h17
